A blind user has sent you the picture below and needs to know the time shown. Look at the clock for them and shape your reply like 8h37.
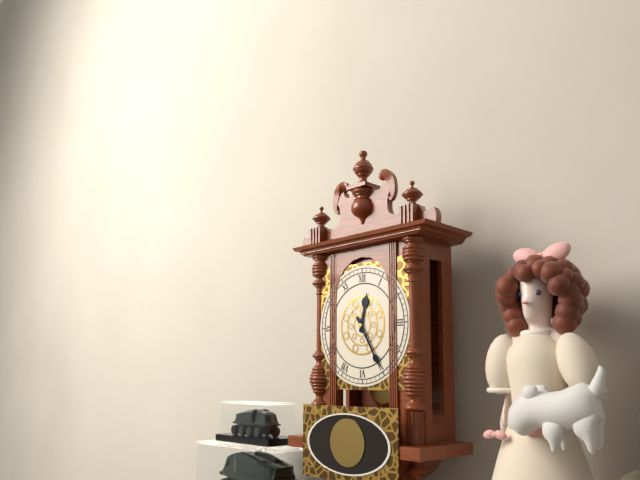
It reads 12h25
